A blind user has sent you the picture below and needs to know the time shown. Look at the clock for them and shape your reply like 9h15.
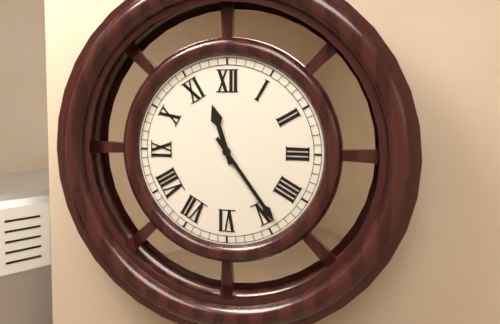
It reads 11h24
